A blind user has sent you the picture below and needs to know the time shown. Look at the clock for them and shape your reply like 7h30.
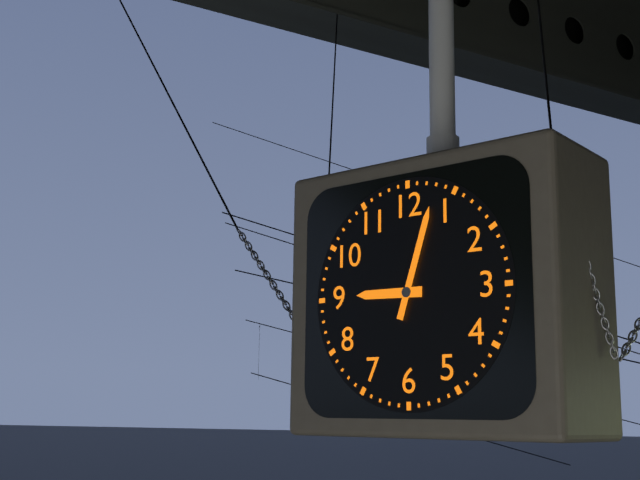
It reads 9h03
